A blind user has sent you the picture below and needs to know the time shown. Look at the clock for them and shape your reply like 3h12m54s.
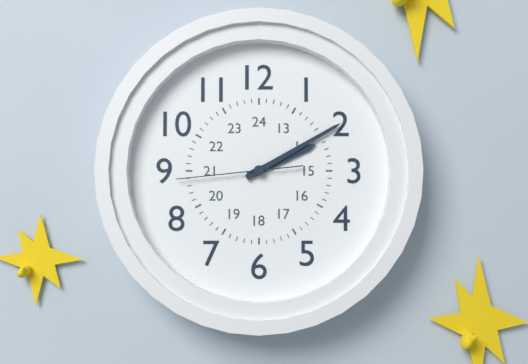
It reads 2h10m44s
